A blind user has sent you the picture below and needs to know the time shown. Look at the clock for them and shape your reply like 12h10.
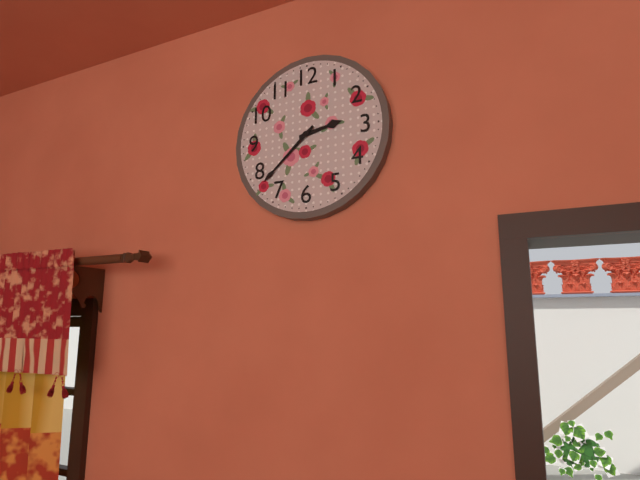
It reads 2h38
